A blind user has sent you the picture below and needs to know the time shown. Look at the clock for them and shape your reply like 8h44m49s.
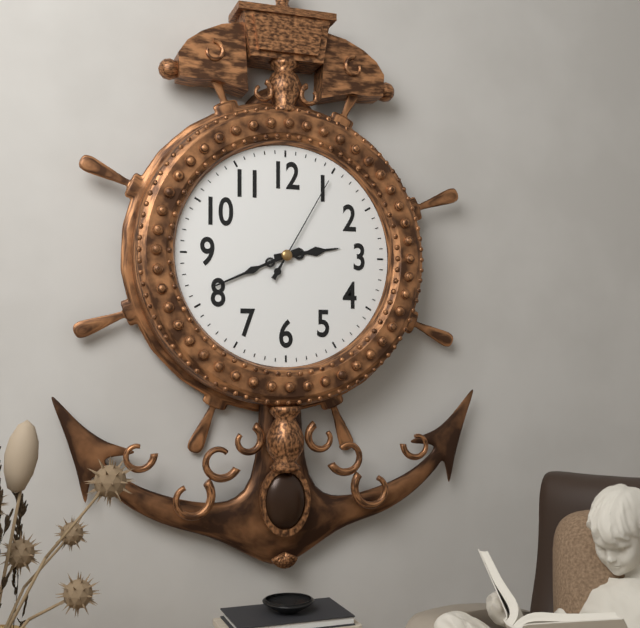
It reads 2h41m05s
